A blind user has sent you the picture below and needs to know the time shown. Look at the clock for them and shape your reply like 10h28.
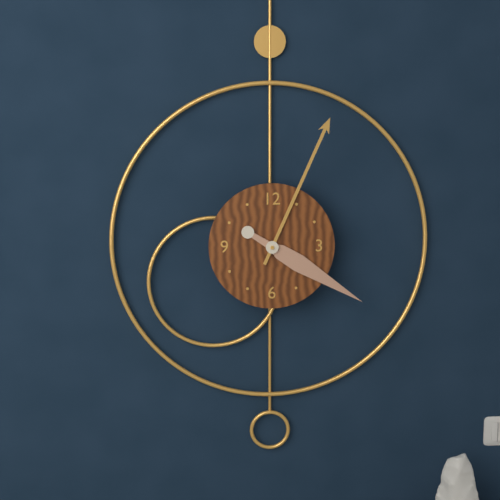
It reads 4h04
